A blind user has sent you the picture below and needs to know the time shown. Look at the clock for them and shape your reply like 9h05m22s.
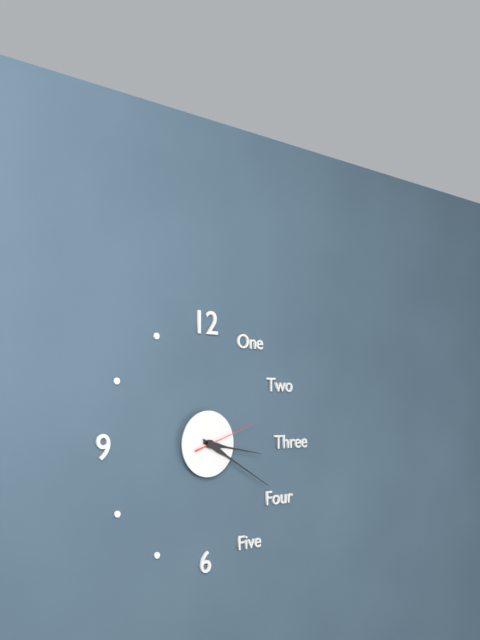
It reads 3h20m12s
